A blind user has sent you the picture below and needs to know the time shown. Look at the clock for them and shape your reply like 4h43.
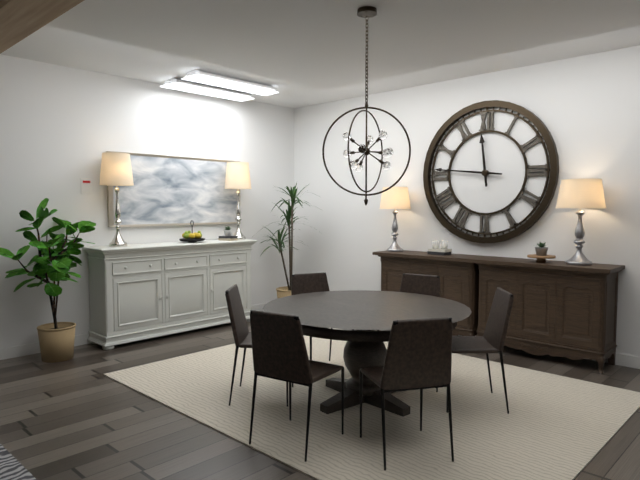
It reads 11h46
